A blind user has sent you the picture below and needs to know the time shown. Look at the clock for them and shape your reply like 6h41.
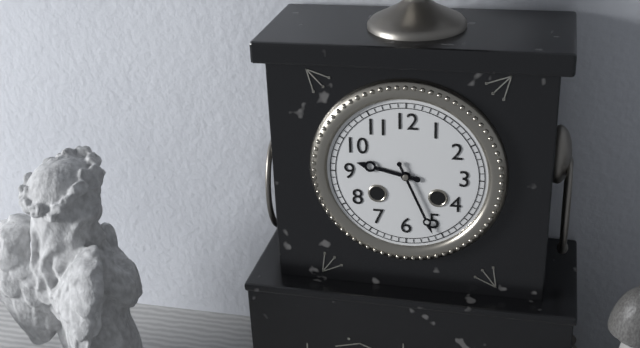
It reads 9h26
